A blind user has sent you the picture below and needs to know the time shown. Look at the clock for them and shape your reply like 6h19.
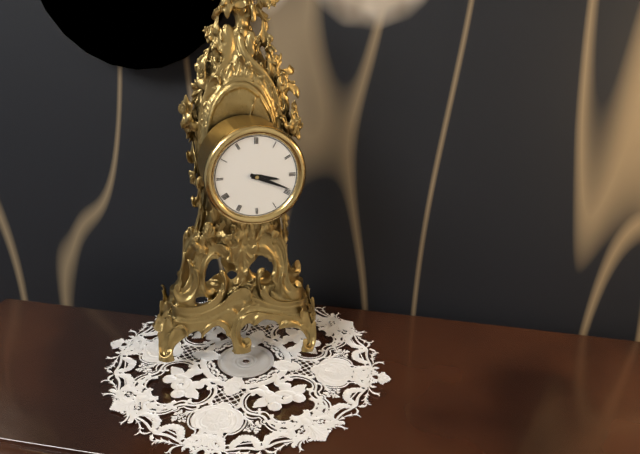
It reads 3h19
